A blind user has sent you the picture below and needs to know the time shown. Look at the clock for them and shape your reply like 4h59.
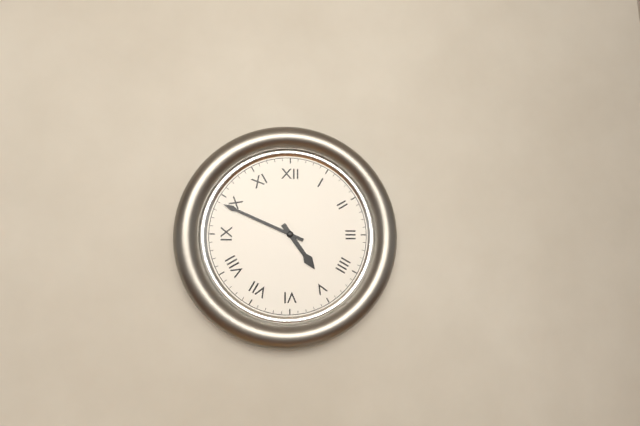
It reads 4h49
